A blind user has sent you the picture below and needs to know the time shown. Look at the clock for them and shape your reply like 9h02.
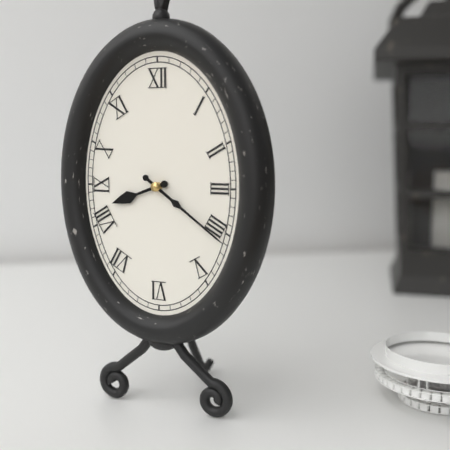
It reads 8h21
